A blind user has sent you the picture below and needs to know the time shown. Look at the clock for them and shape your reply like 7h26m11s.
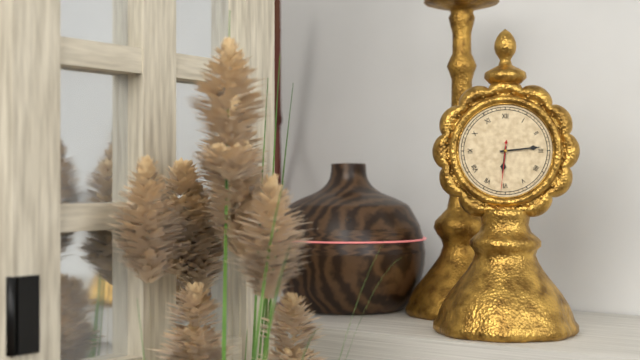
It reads 6h14m31s
